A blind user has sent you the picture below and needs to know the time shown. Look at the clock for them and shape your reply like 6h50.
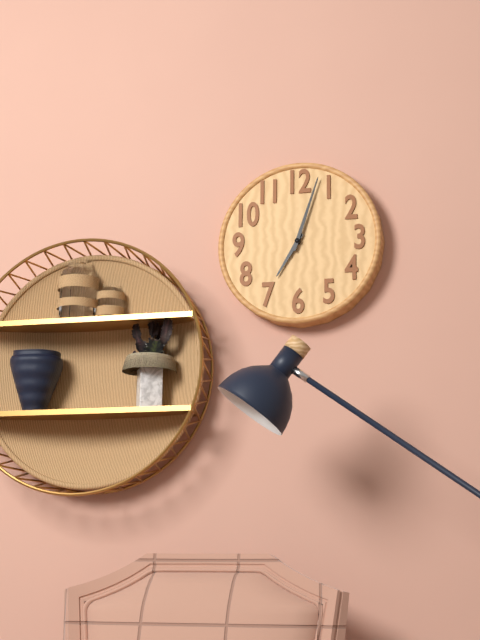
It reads 7h03
